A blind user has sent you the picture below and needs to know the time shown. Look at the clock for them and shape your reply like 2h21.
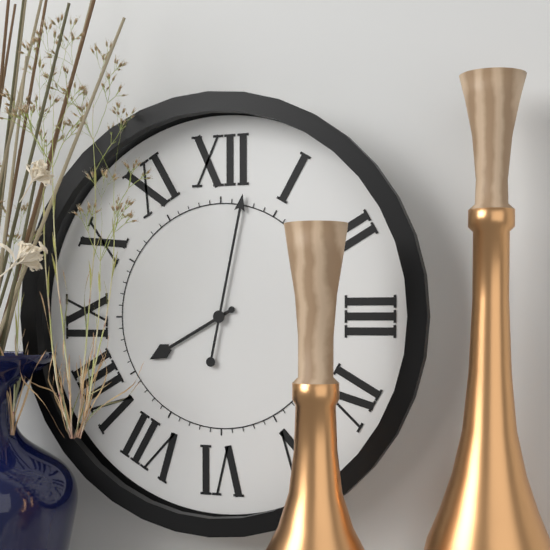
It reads 8h02
